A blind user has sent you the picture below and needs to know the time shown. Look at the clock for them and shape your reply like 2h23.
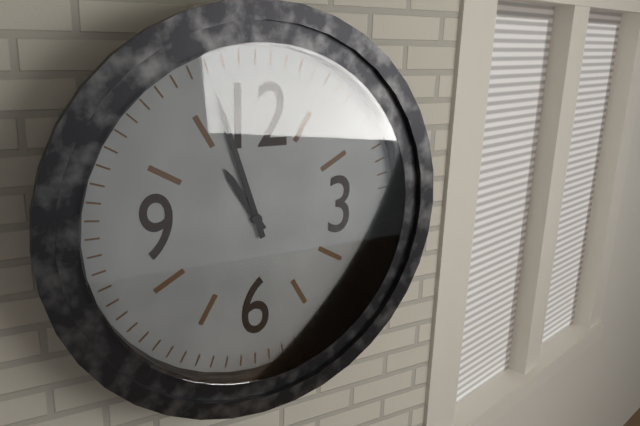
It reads 10h57
